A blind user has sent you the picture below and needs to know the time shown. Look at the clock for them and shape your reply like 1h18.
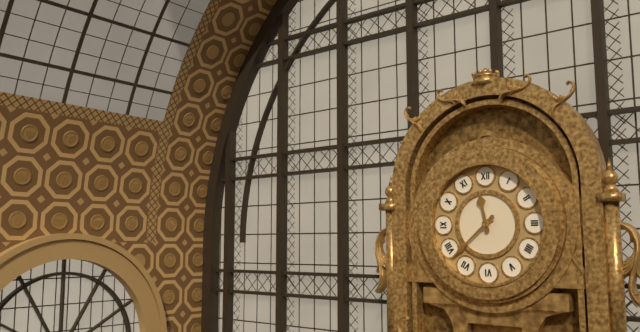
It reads 11h38
